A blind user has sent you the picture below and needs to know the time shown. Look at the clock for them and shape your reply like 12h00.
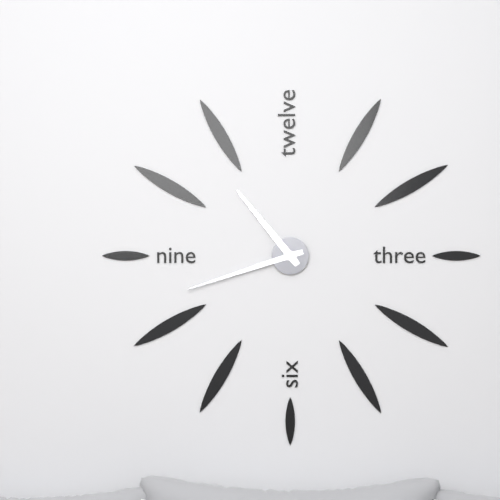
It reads 10h42
